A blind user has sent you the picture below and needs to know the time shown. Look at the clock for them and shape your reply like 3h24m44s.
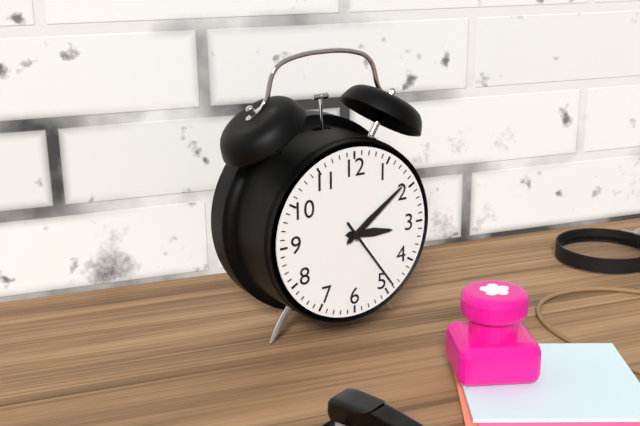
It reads 3h09m24s
